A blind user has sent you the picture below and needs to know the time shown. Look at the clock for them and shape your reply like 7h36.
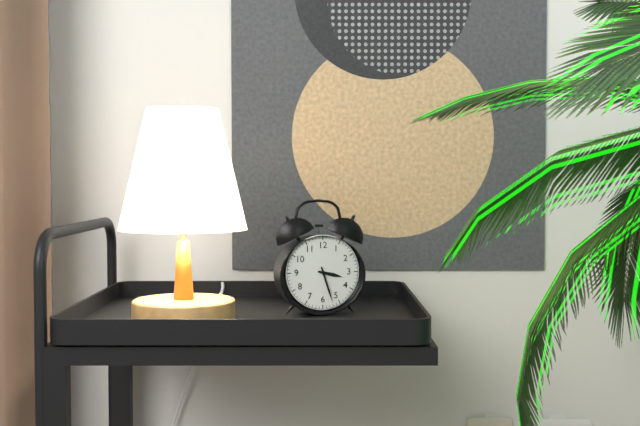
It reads 3h27
